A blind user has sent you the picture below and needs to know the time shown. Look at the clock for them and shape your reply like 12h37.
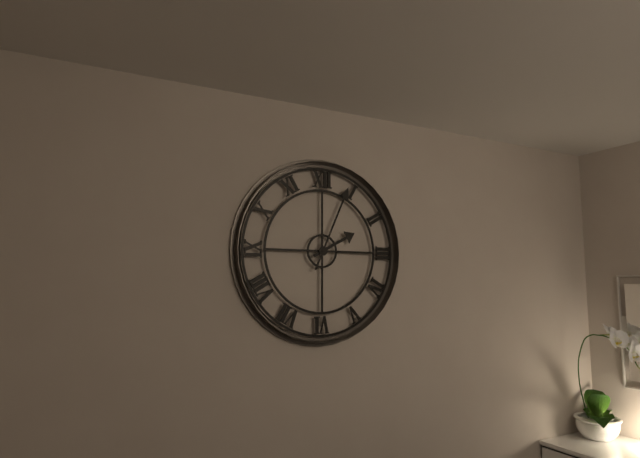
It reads 2h04
